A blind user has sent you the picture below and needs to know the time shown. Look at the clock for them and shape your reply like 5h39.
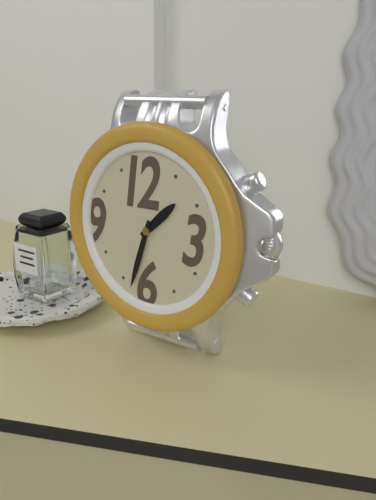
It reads 1h33
